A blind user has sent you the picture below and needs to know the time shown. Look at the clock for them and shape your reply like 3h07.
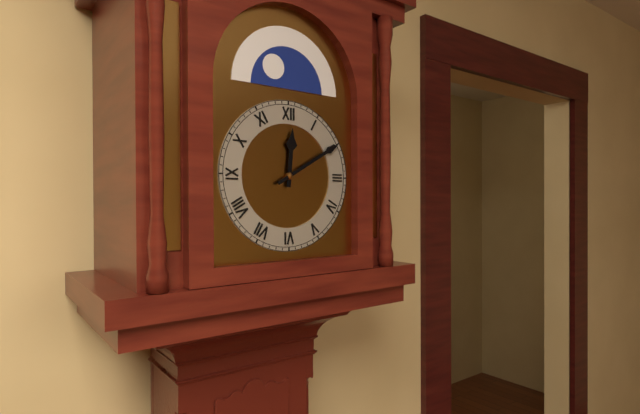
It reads 12h10
